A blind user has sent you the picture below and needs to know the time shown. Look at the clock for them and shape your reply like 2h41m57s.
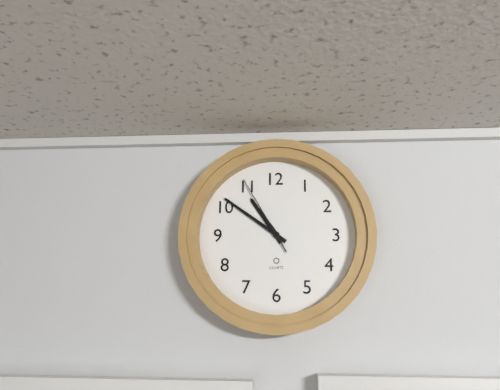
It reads 10h51m55s
